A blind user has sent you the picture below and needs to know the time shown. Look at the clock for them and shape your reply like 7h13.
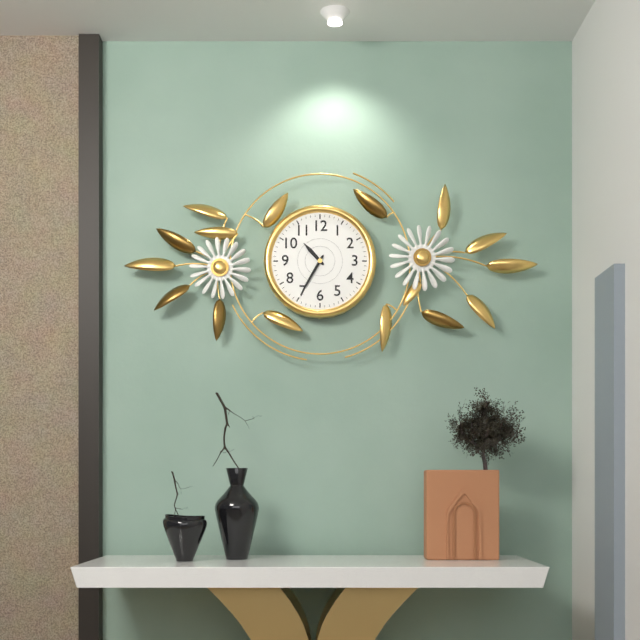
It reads 10h35
